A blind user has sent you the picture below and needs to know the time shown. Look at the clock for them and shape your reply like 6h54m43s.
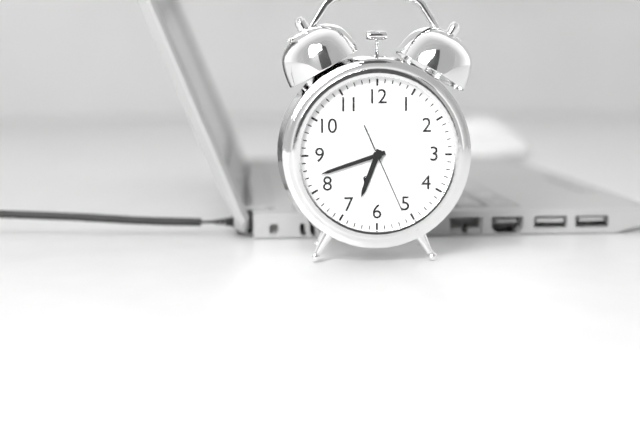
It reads 6h42m26s
